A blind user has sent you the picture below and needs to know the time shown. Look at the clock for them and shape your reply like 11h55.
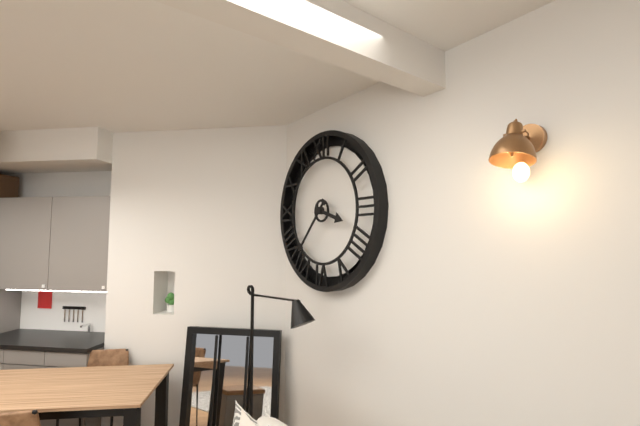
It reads 3h37
